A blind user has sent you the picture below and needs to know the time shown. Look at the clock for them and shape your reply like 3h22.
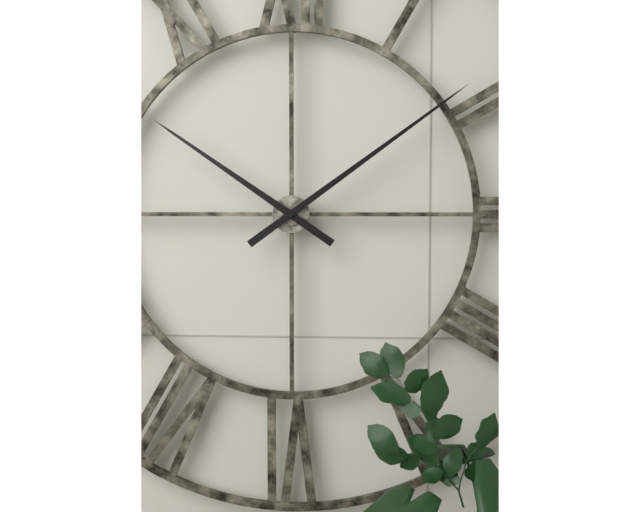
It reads 10h09
